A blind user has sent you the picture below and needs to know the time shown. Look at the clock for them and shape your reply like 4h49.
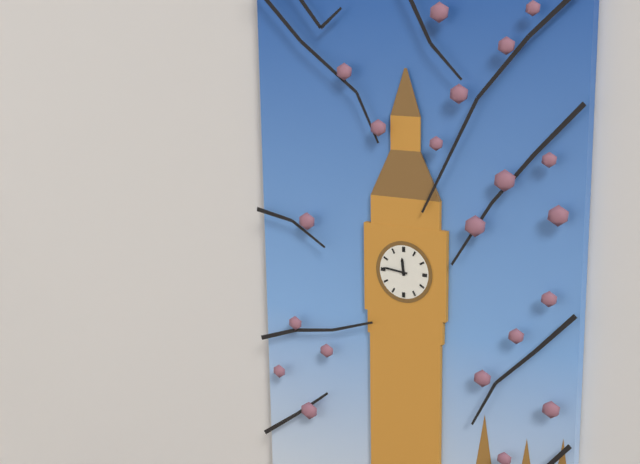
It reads 11h46
